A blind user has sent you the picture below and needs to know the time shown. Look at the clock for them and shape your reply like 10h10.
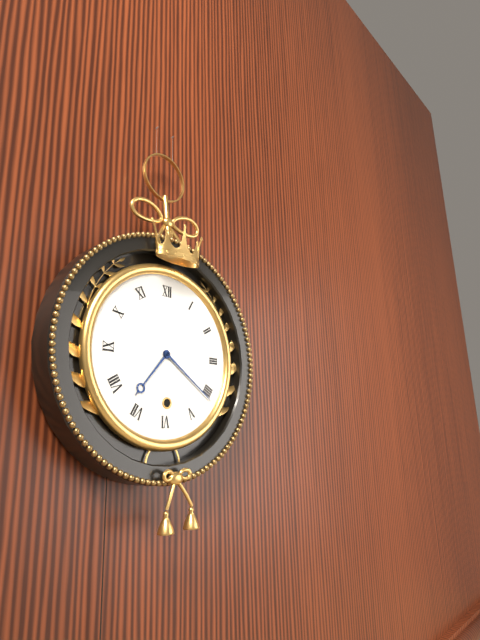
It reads 7h21
